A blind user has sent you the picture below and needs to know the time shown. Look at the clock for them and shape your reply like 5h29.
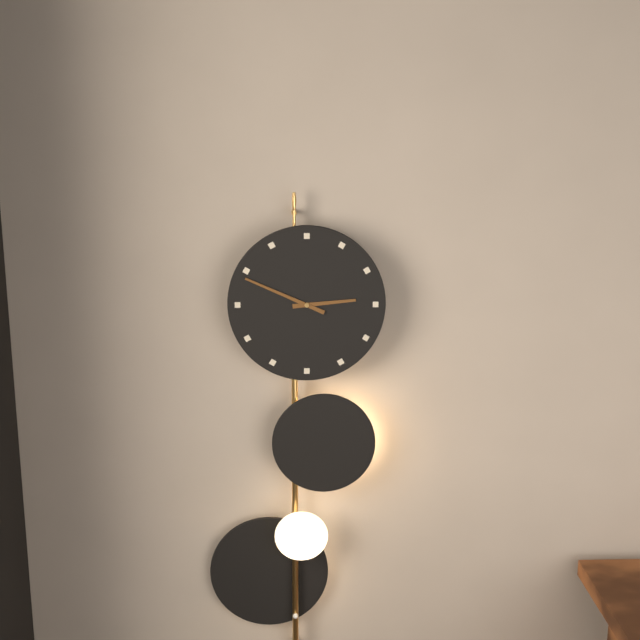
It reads 2h49
